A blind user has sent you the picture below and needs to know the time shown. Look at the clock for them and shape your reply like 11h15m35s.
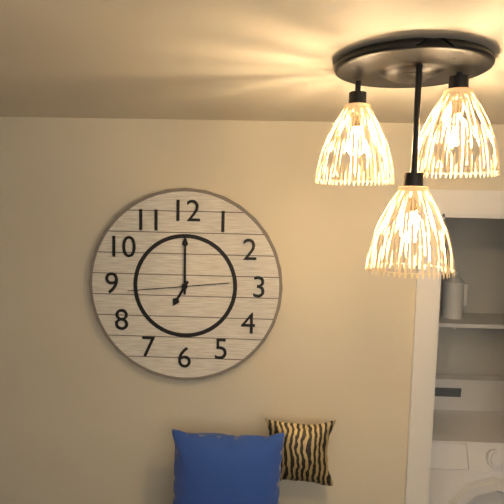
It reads 7h00m44s
